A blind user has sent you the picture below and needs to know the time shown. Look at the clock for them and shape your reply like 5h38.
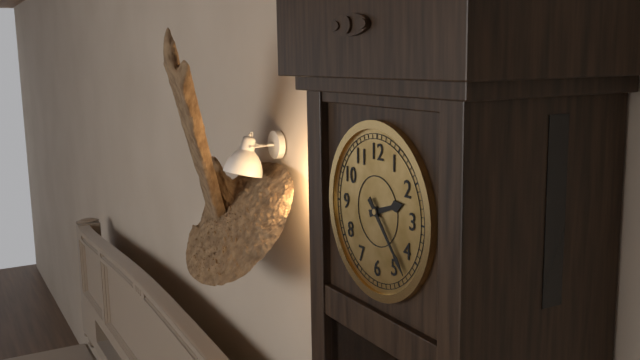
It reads 2h23
